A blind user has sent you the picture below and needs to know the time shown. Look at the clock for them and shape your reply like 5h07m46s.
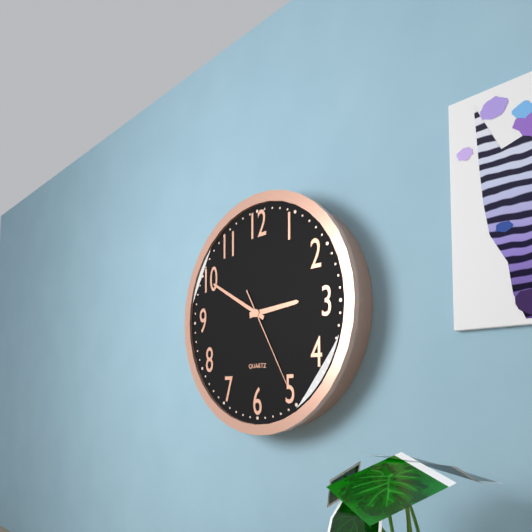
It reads 2h50m25s
